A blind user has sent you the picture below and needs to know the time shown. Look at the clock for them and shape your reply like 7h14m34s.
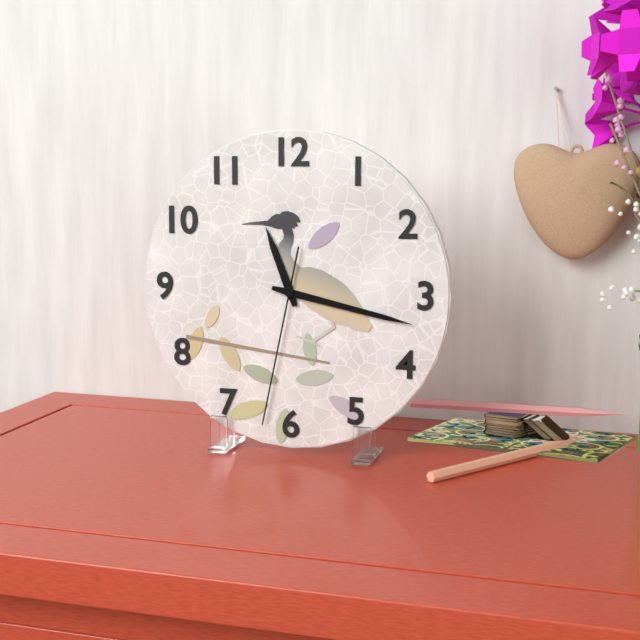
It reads 11h17m32s
